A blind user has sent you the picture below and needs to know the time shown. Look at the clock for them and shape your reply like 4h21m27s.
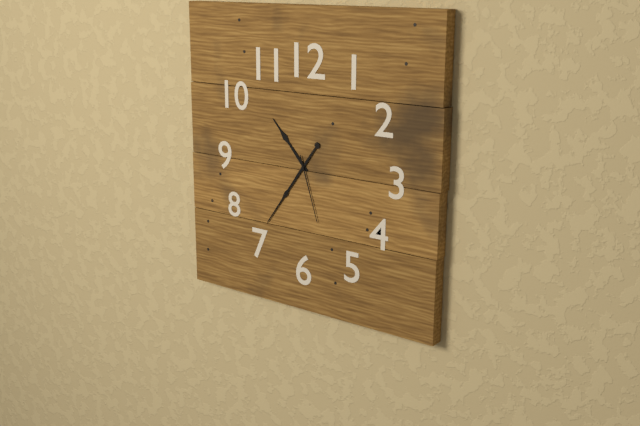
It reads 10h36m27s
